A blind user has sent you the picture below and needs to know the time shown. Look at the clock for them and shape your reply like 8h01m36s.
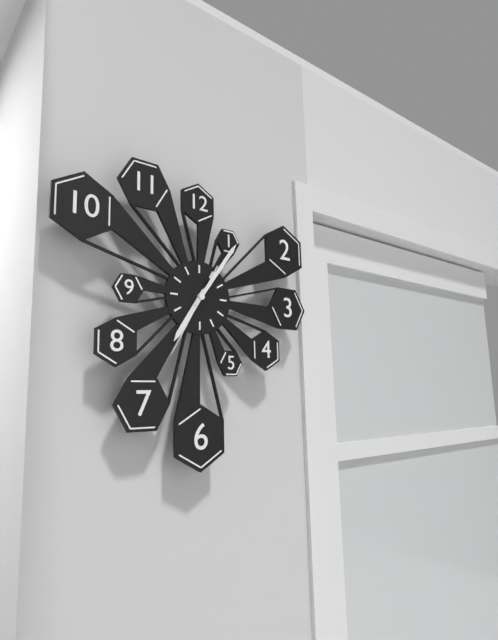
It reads 7h06m35s
